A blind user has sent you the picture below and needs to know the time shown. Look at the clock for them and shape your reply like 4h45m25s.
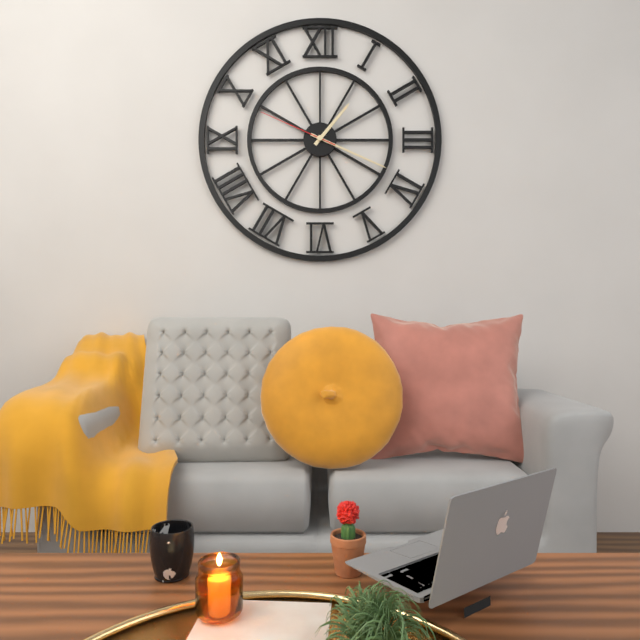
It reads 1h19m49s
